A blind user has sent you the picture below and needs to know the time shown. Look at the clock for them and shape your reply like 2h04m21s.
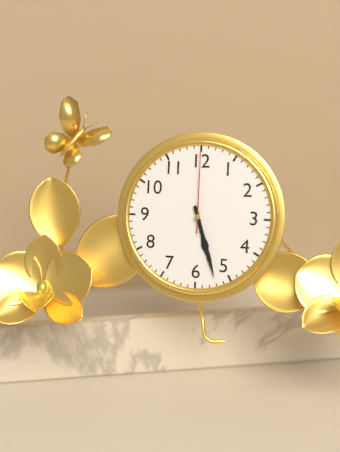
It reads 5h27m00s
